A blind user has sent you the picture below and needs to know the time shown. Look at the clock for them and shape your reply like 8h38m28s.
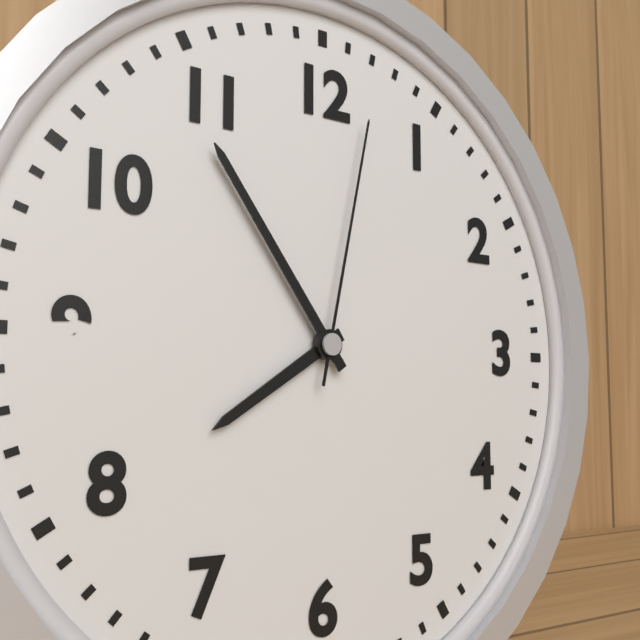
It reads 7h54m02s
